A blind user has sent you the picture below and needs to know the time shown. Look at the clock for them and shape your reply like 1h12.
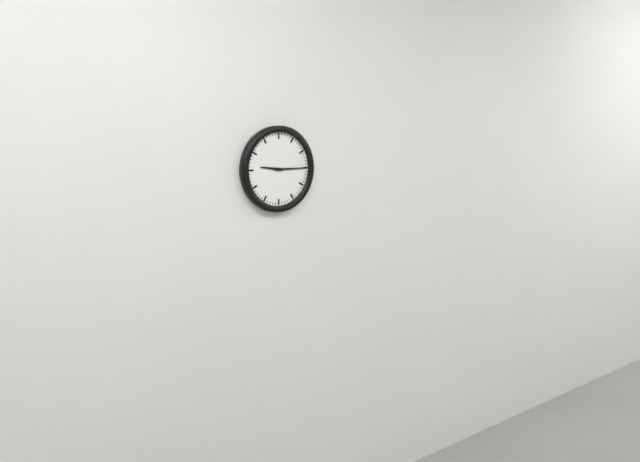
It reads 9h15
